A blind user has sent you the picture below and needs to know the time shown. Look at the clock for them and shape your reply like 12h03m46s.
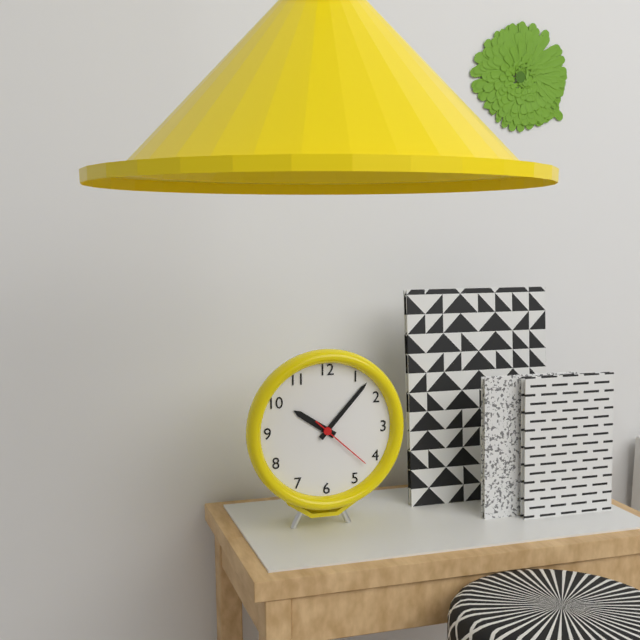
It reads 10h07m22s
